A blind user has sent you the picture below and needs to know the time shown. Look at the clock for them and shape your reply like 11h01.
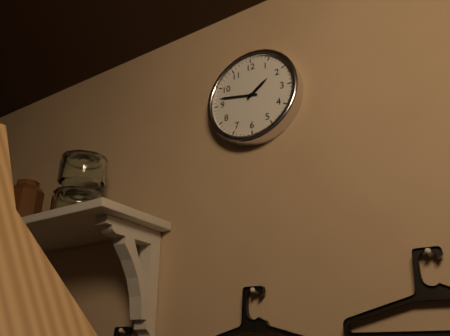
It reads 1h47
